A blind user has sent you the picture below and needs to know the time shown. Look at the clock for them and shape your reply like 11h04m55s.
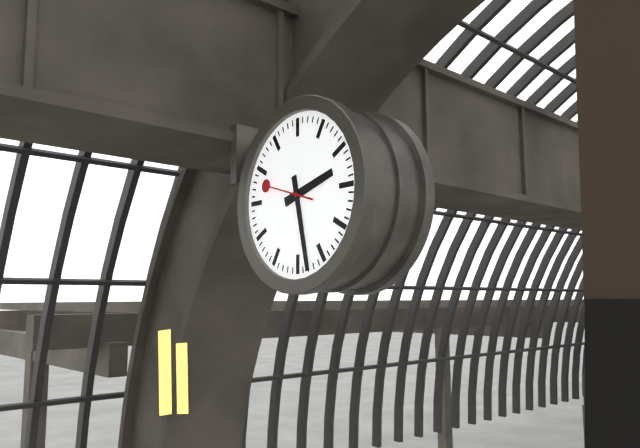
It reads 2h28m48s
